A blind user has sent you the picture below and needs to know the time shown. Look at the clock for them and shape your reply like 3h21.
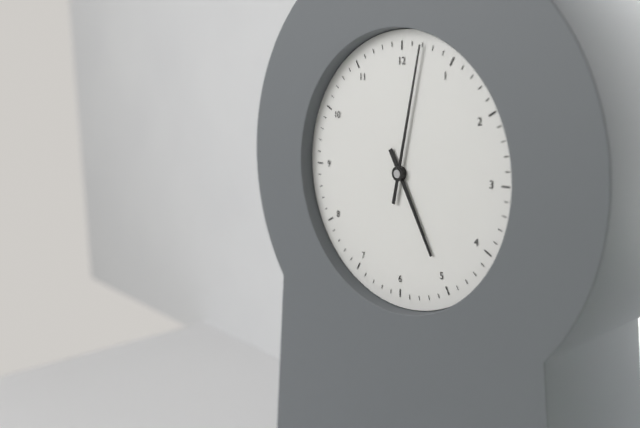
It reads 5h02
